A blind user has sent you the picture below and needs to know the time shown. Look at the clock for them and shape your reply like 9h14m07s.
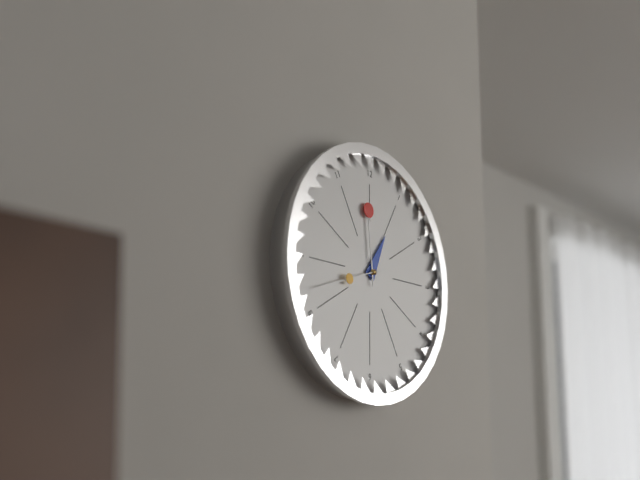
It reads 12h59m42s
